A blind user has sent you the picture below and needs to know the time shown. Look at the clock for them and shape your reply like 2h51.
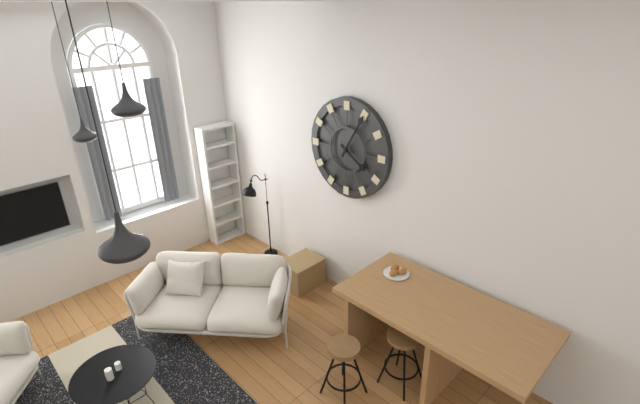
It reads 4h05
